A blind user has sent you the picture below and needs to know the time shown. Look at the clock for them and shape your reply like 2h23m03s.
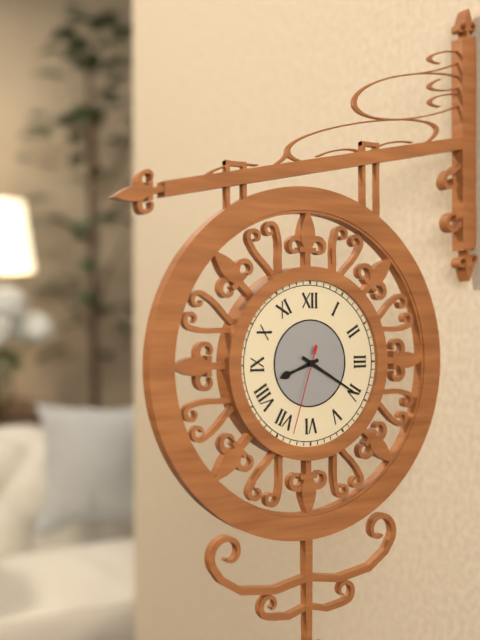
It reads 8h20m33s
